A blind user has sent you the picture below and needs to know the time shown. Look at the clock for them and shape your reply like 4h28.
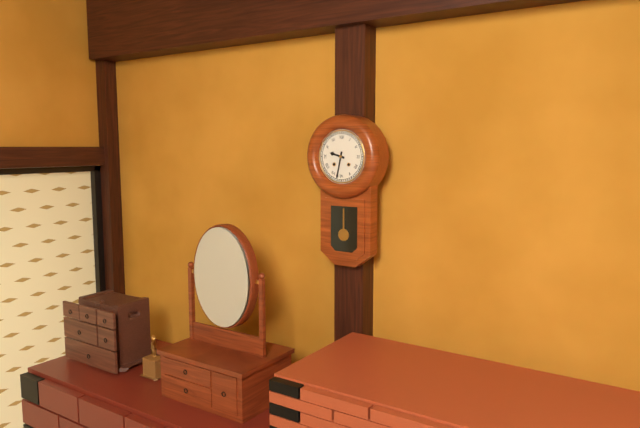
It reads 9h32
